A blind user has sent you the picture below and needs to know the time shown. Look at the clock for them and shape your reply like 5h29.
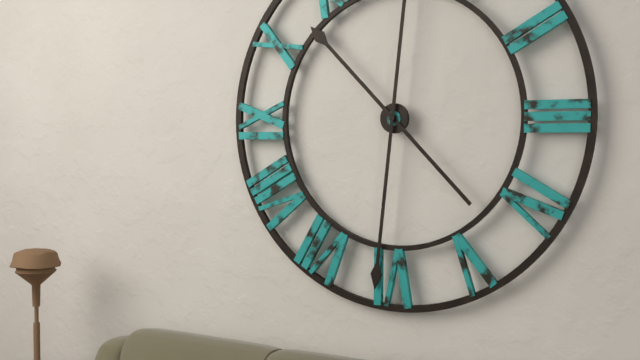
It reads 10h31
